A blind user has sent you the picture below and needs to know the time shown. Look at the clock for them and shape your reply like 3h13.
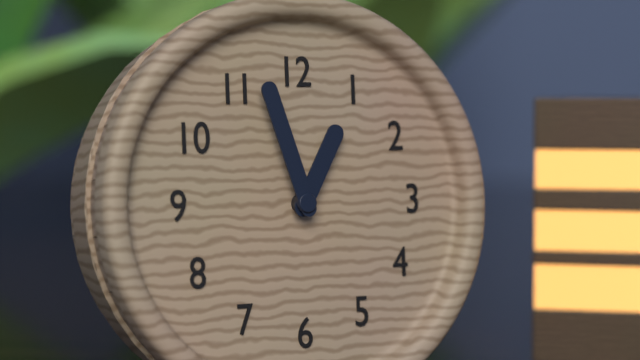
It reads 12h57
